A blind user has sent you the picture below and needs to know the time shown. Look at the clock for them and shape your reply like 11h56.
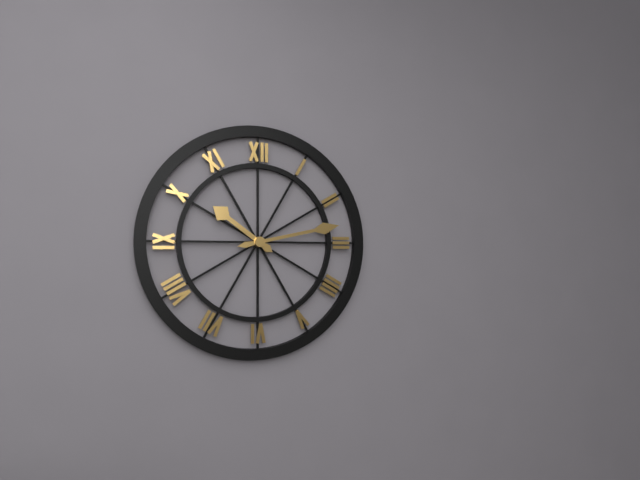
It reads 10h13
